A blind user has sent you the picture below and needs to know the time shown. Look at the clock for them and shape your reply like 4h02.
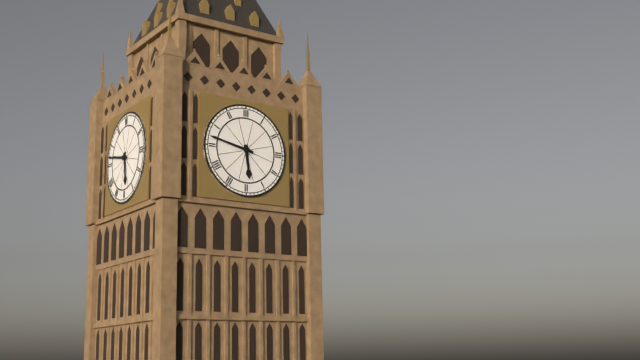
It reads 5h47
